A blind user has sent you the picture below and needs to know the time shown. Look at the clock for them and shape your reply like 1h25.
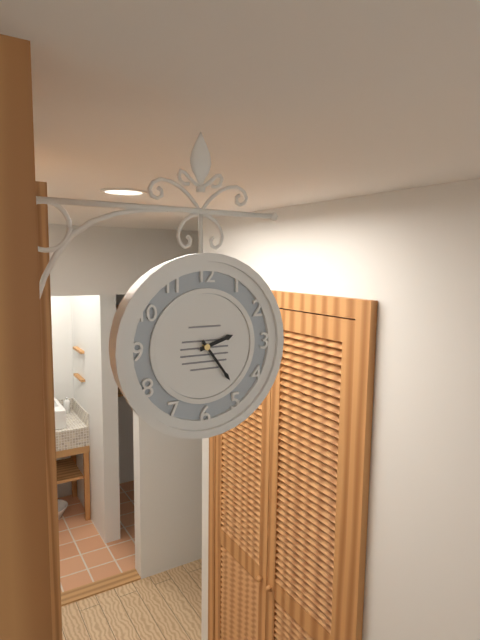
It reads 2h24
